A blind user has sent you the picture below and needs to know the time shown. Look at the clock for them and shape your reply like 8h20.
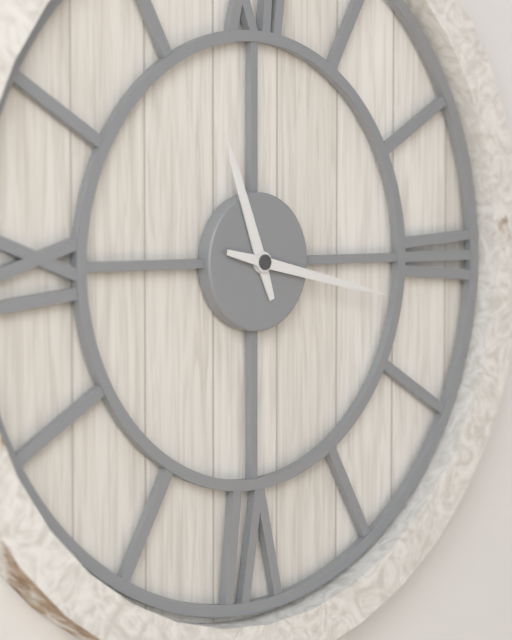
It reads 11h17
